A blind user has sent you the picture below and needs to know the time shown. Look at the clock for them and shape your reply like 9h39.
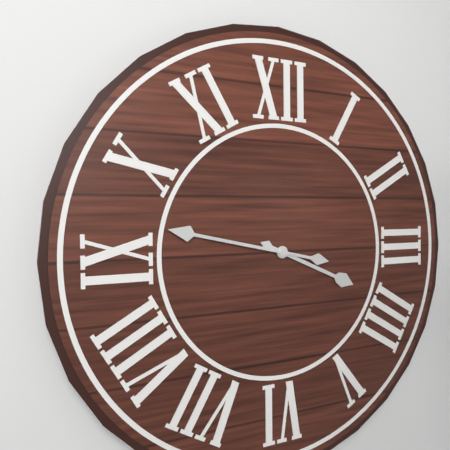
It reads 3h47
